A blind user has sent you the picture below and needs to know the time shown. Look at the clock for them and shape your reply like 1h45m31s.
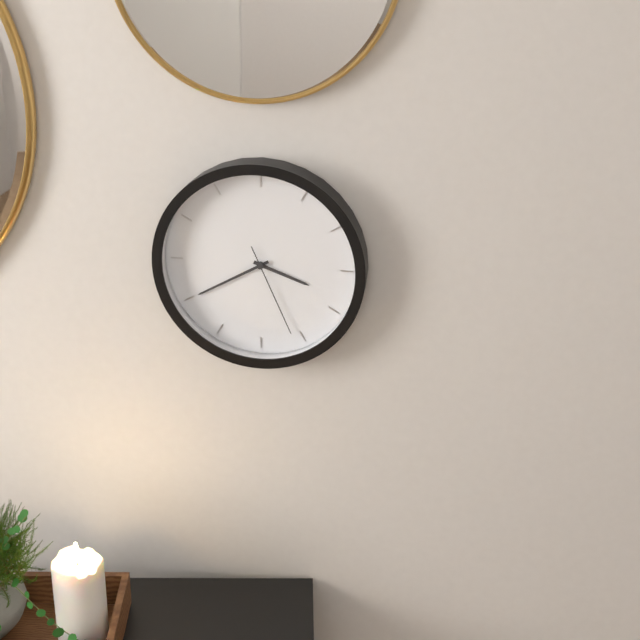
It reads 3h40m26s
